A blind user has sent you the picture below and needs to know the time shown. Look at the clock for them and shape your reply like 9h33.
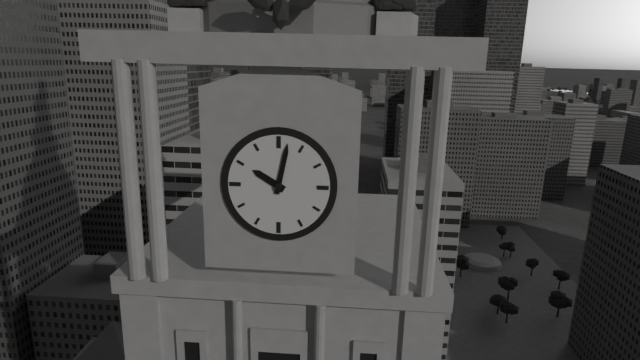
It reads 10h02
